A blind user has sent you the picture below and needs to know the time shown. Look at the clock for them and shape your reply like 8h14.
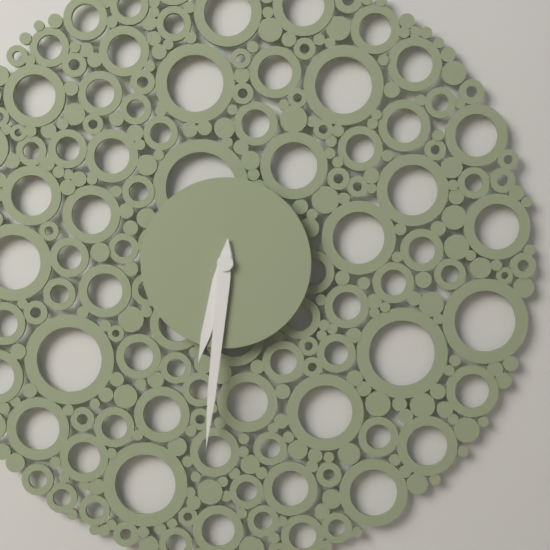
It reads 6h31
